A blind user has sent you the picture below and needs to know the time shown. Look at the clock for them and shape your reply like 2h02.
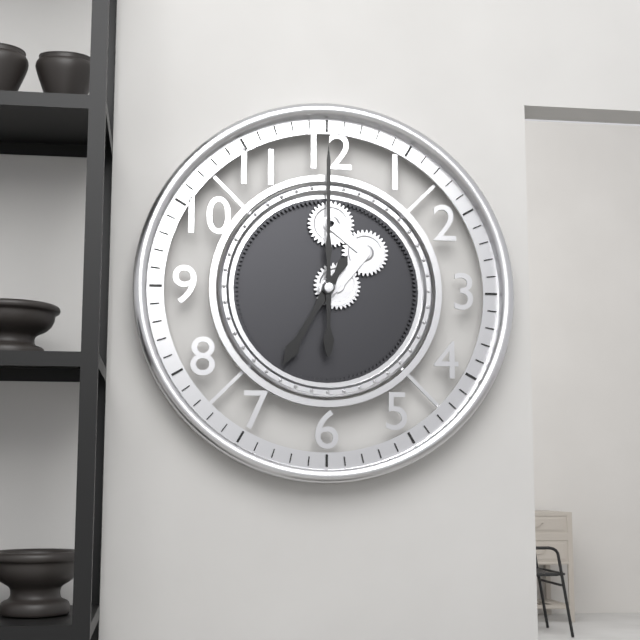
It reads 7h00
